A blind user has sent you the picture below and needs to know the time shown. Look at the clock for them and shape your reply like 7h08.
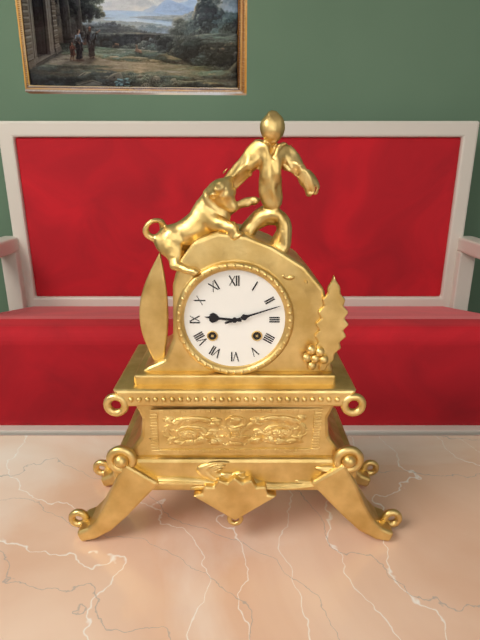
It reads 9h12
